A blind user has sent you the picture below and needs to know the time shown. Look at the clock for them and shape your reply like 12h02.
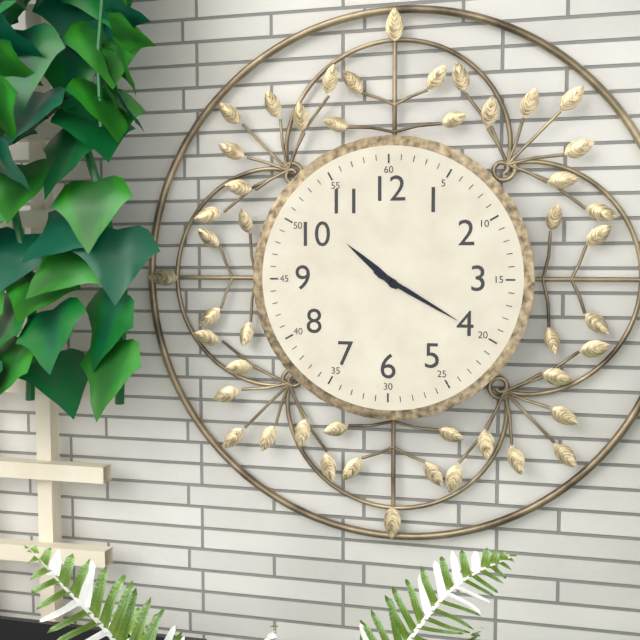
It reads 10h20
